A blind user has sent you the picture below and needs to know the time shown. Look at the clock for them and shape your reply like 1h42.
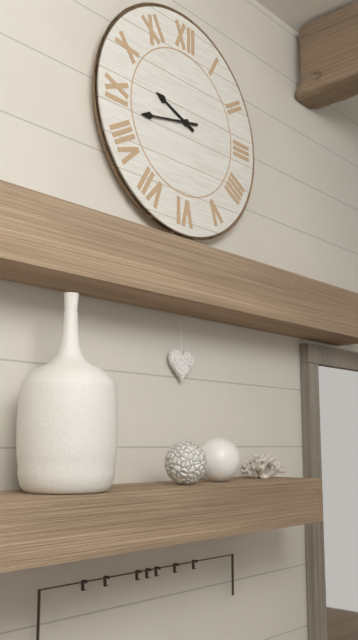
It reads 9h43
